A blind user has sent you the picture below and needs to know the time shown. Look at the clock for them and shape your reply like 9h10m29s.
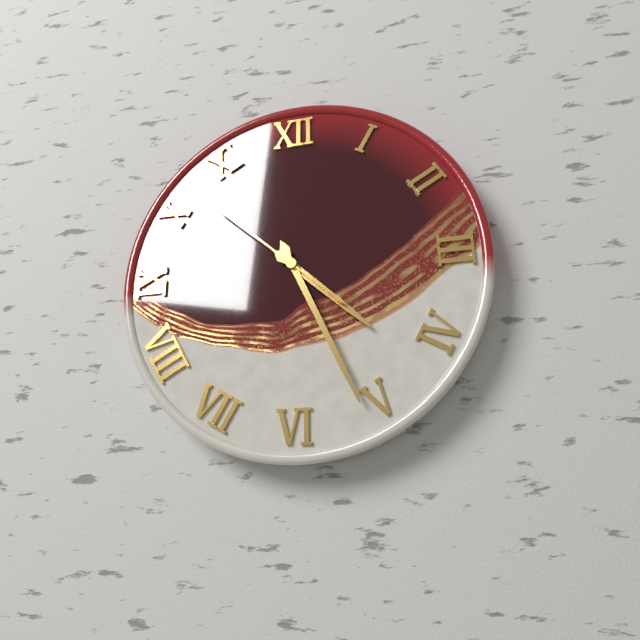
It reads 4h26m52s
